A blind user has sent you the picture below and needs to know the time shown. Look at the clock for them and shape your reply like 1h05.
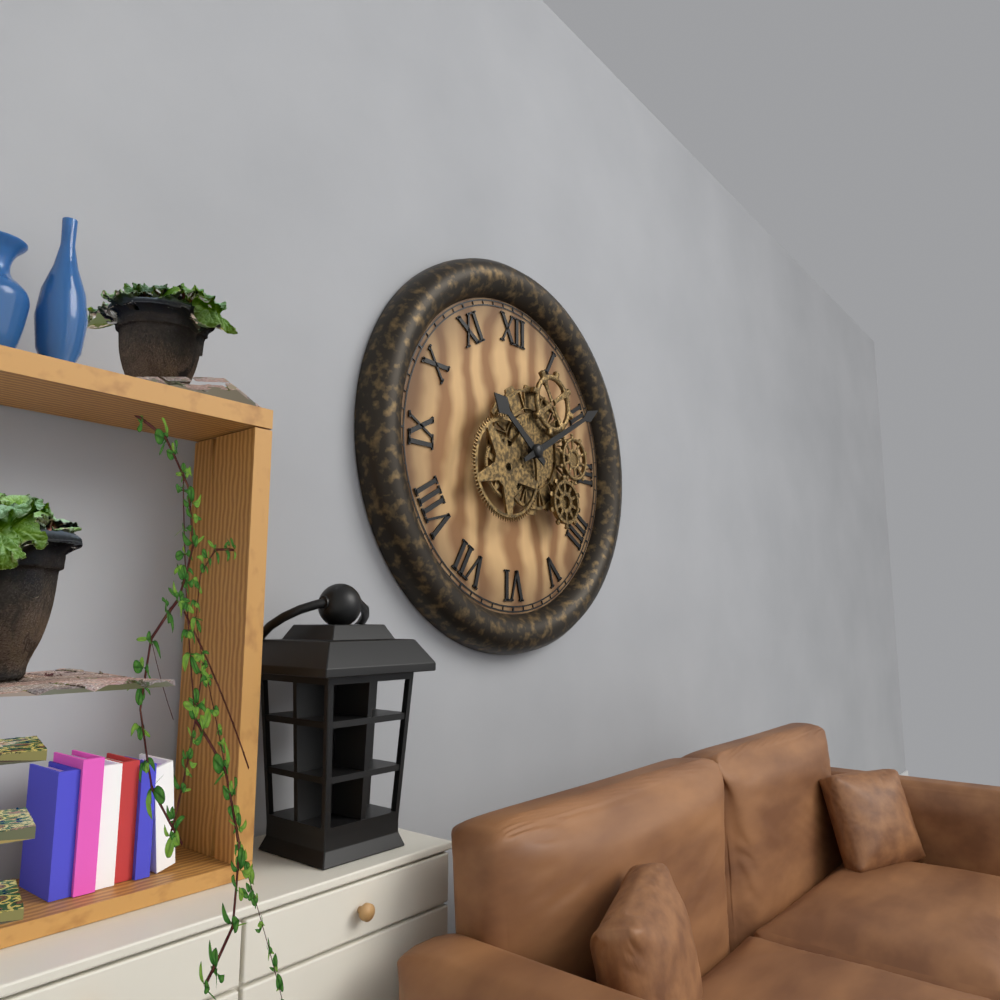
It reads 10h10
